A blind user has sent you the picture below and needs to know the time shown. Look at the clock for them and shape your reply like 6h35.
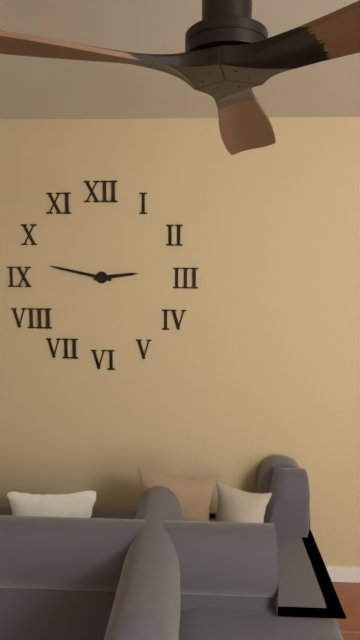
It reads 2h47
